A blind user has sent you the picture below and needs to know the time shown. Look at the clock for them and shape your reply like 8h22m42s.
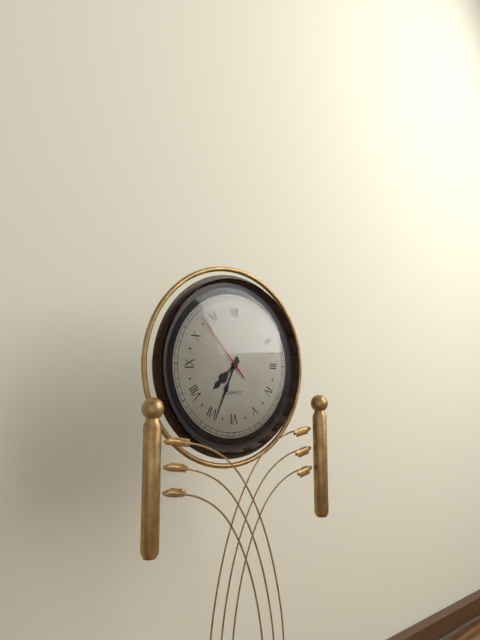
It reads 7h34m53s
